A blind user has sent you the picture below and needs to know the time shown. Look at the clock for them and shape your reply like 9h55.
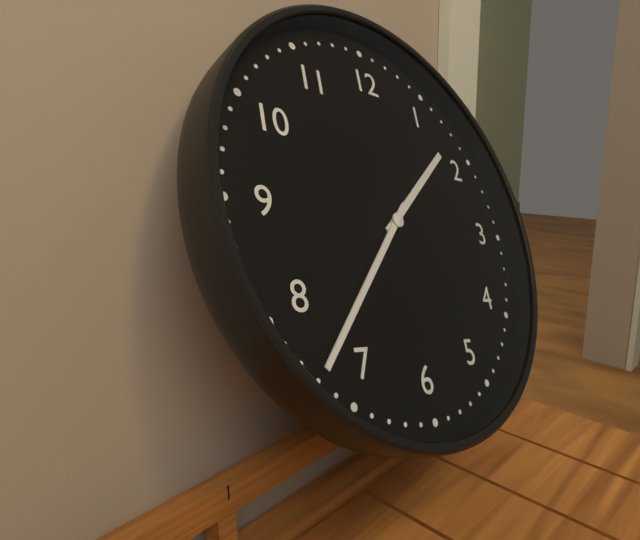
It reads 1h37
